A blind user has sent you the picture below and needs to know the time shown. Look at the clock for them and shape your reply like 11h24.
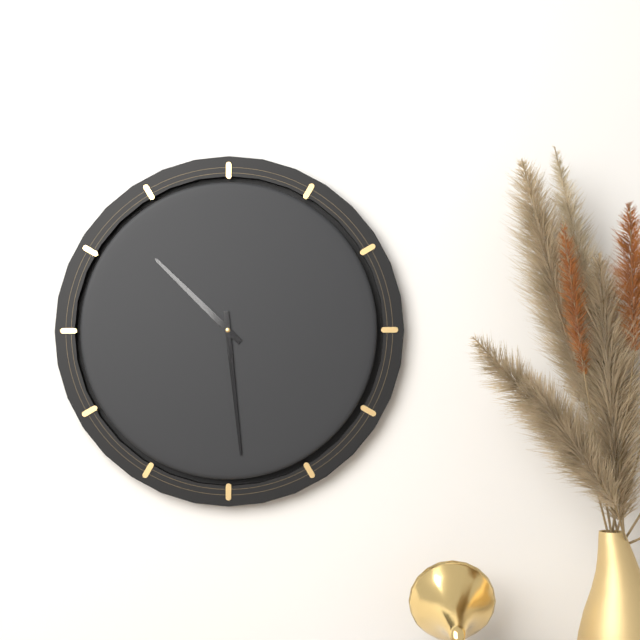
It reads 10h29
